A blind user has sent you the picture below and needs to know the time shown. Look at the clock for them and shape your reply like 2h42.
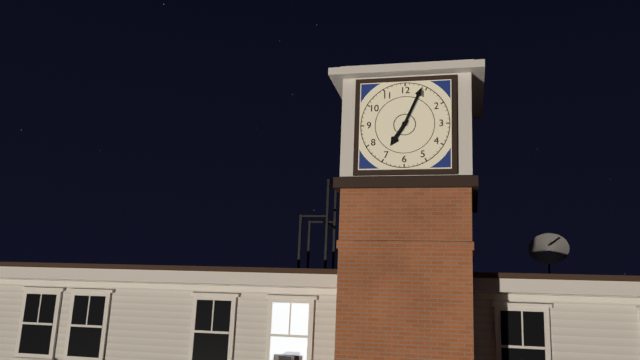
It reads 7h04
